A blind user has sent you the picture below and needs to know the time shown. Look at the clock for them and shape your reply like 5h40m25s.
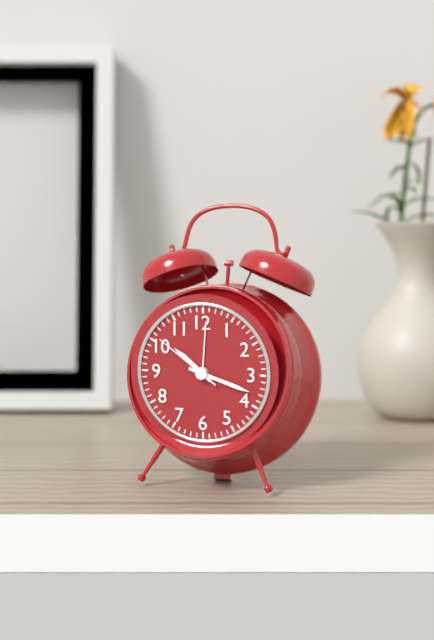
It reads 10h18m51s
